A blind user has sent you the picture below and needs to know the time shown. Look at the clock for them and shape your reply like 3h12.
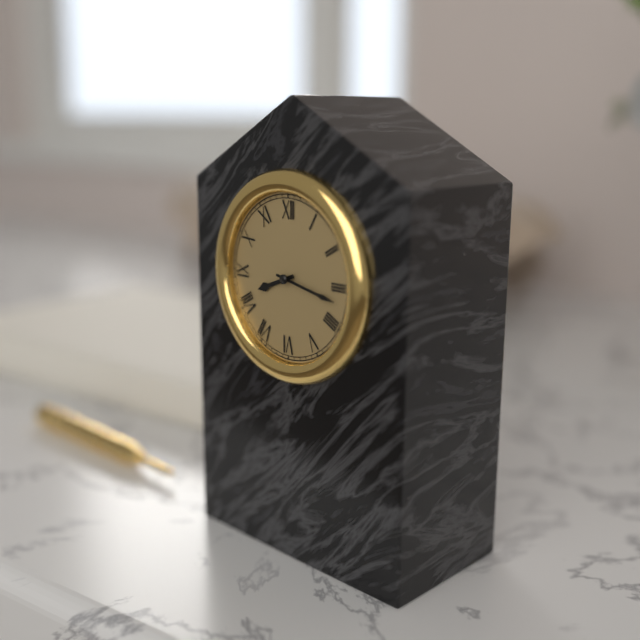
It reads 8h17
